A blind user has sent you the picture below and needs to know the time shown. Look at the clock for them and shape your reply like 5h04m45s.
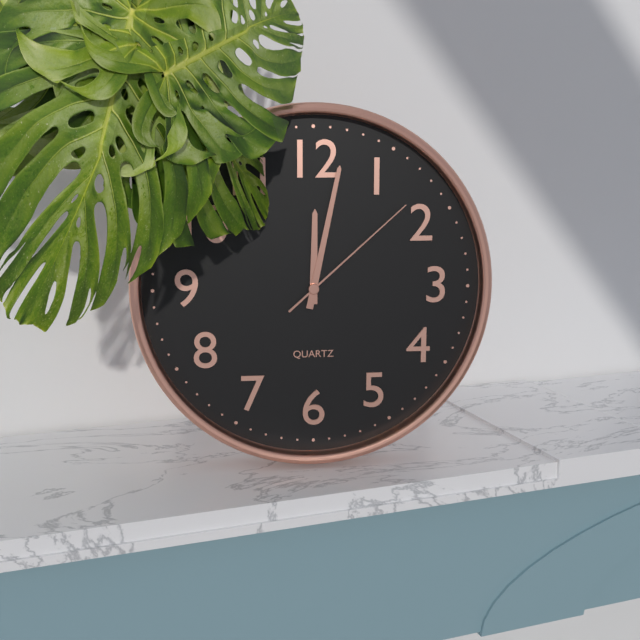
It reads 12h02m08s
